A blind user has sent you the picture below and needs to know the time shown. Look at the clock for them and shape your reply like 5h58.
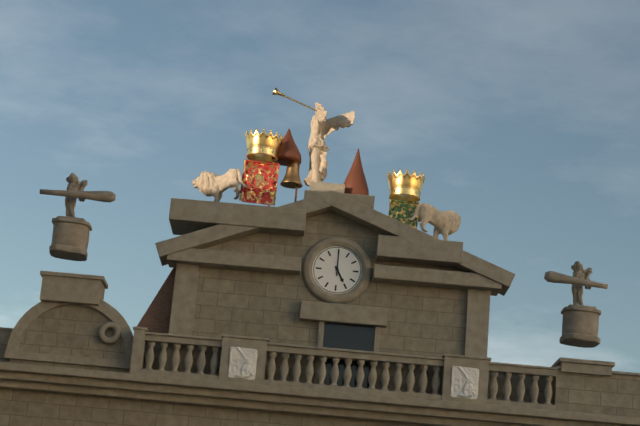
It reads 5h00
